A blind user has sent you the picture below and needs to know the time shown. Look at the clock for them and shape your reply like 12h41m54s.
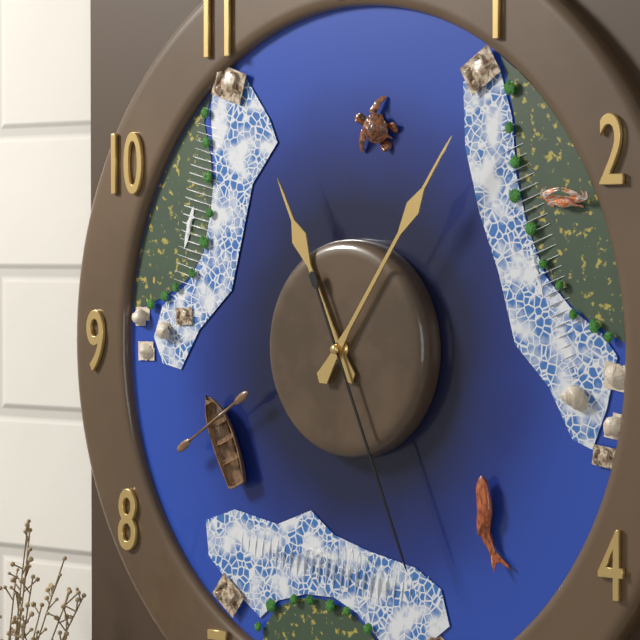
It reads 11h06m26s
